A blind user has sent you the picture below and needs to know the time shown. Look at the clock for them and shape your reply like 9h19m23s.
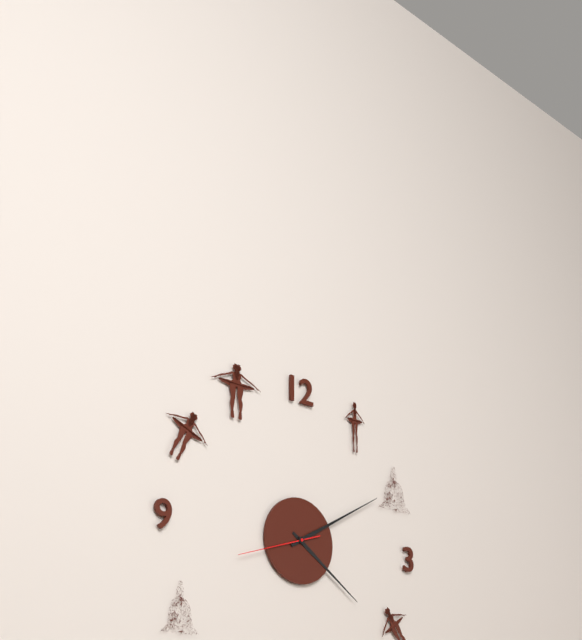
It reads 4h10m42s
